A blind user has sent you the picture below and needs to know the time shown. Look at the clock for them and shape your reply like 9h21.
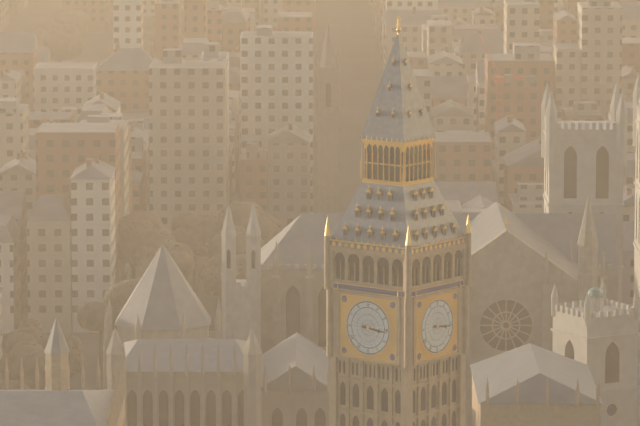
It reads 3h16
